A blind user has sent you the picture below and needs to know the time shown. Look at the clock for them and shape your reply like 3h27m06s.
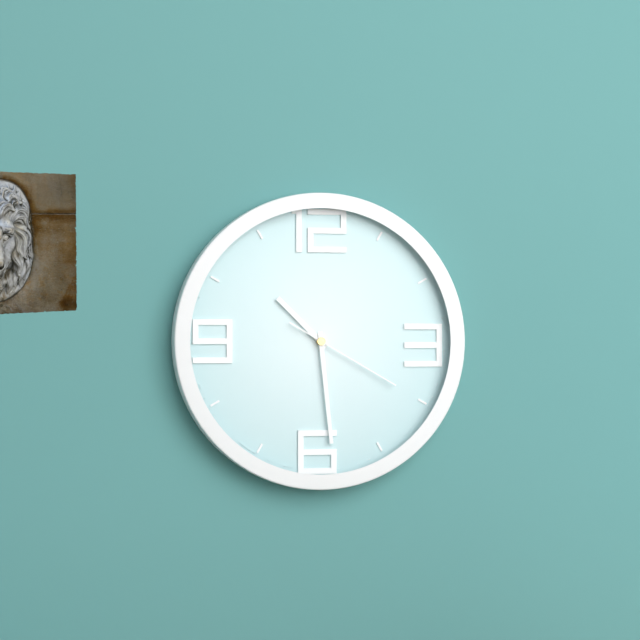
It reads 10h29m20s
